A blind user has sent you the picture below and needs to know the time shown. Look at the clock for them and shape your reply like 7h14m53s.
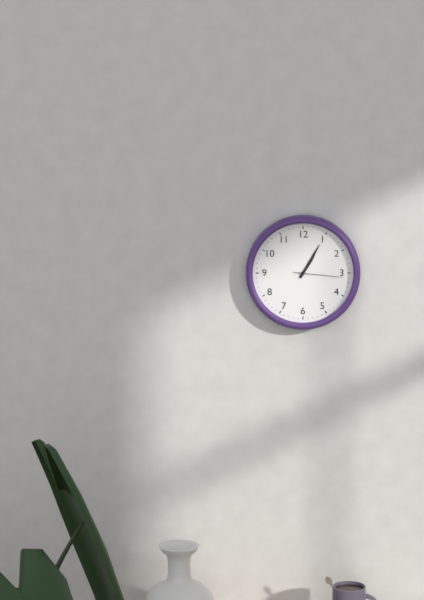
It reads 1h05m16s
